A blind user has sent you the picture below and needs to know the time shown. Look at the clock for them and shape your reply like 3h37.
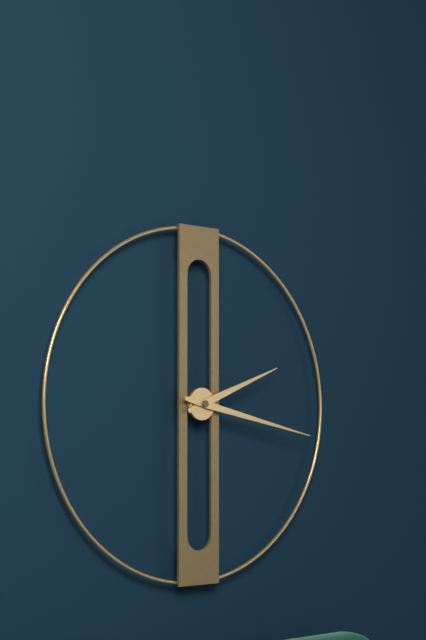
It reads 2h17
